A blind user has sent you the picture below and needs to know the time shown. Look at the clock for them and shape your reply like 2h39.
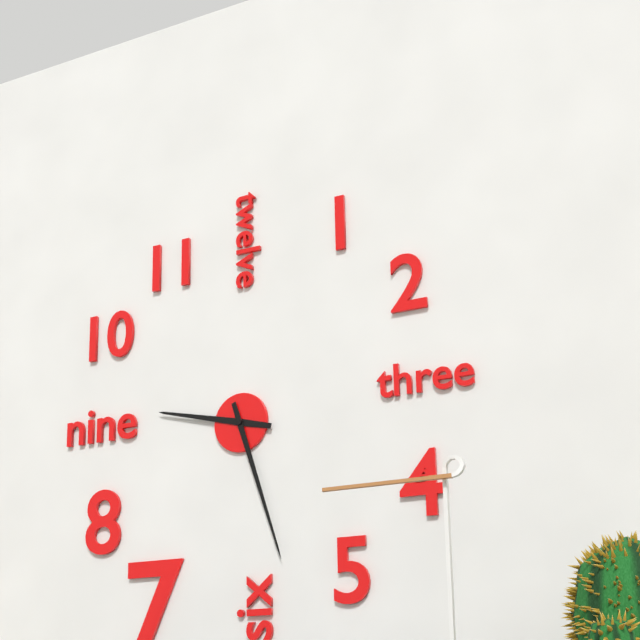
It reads 9h27
